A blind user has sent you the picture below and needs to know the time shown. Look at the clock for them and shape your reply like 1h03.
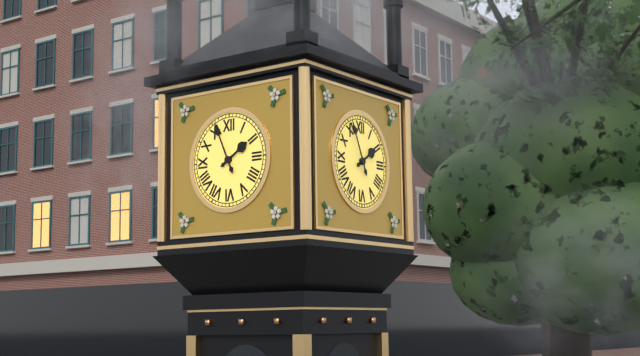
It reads 1h56
